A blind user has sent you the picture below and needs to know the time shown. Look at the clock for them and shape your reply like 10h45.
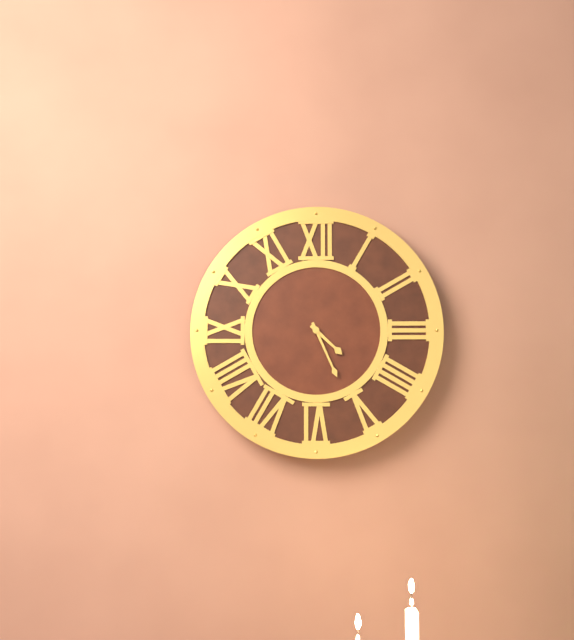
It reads 4h26
